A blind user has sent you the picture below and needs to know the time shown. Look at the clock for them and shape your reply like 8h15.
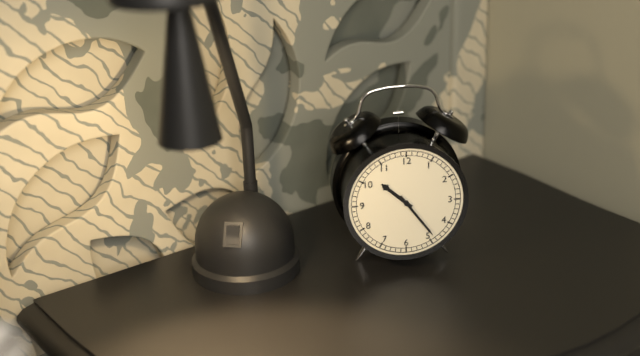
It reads 10h24
